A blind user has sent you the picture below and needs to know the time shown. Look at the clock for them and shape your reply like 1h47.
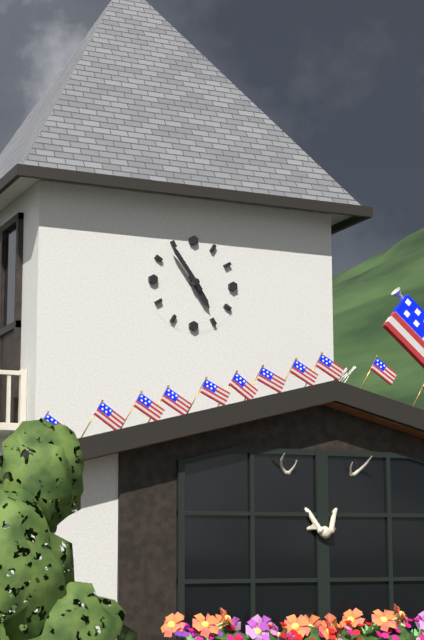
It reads 4h54
